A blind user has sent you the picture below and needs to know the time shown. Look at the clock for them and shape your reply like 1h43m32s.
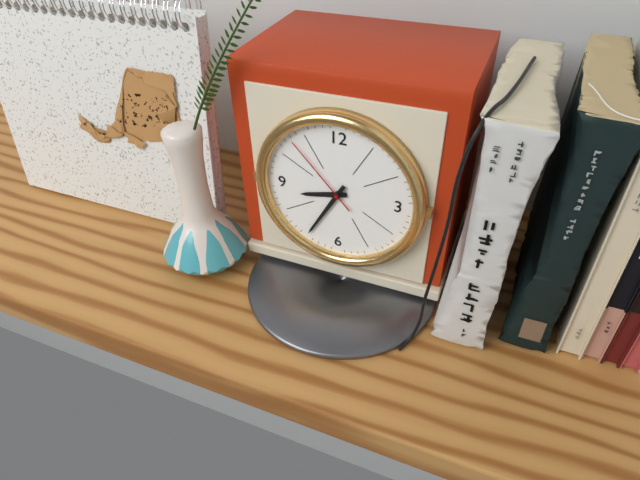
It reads 8h35m53s
